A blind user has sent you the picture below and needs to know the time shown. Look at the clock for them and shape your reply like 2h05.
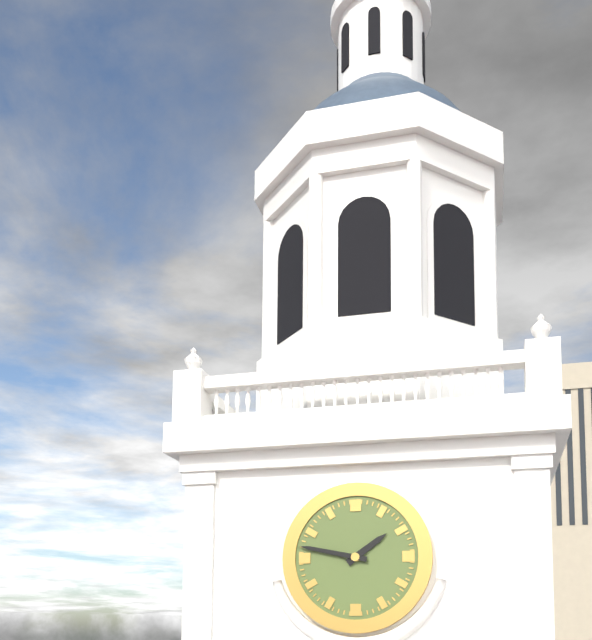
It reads 1h47
